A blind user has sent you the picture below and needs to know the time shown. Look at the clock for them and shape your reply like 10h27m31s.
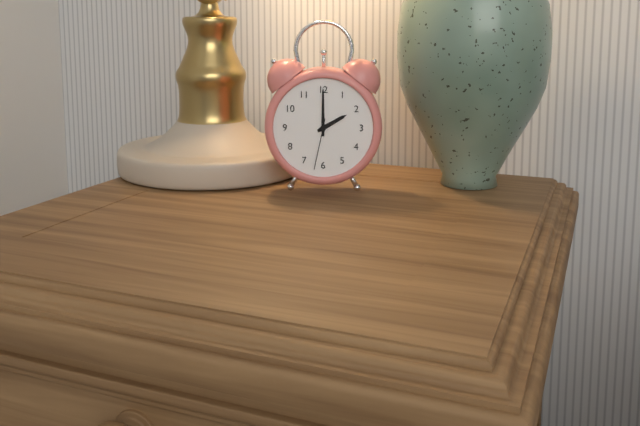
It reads 2h00m32s
